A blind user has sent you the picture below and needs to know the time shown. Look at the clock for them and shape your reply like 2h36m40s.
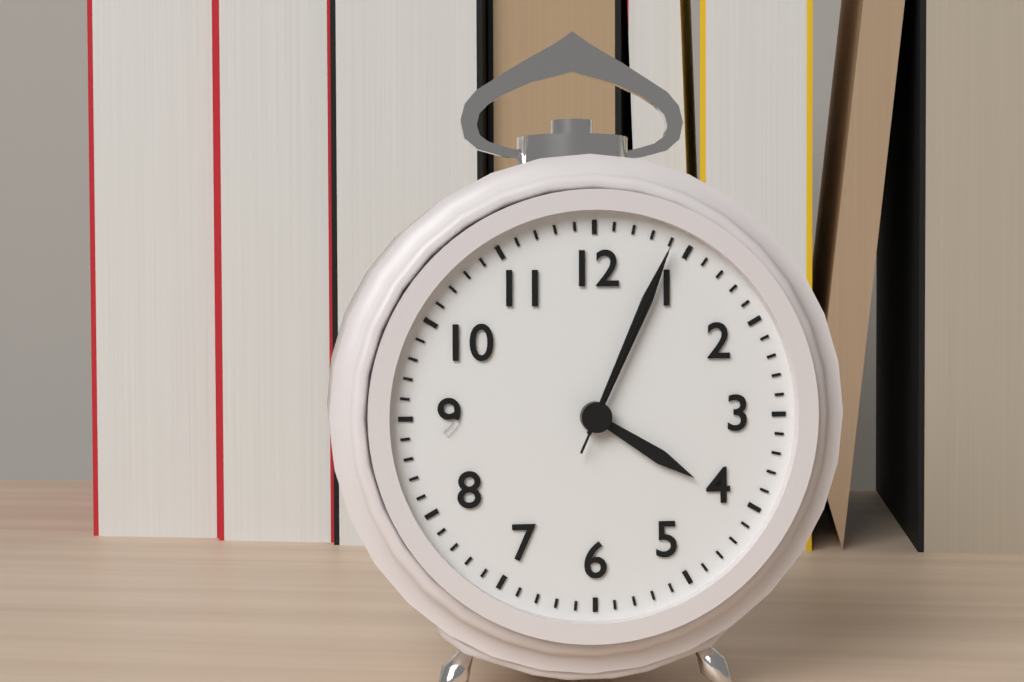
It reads 4h04m04s
